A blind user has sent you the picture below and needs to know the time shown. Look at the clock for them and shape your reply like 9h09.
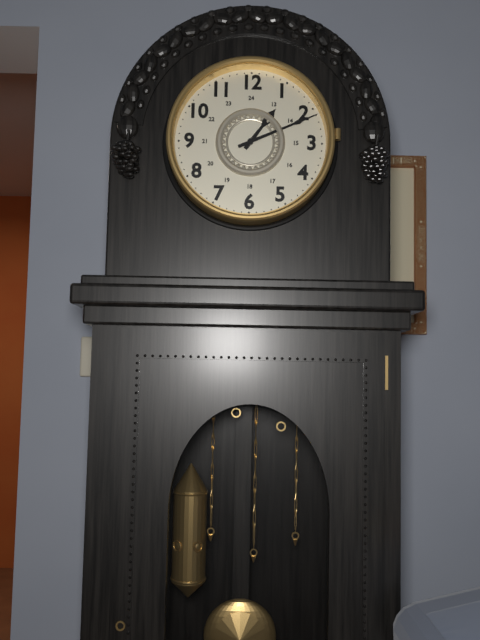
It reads 1h11
